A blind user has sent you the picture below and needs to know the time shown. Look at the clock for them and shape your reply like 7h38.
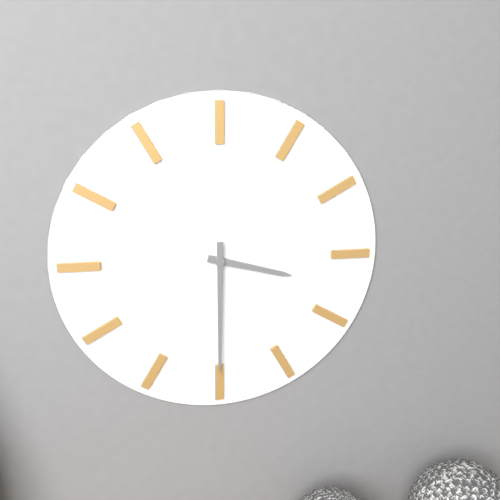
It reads 3h30
